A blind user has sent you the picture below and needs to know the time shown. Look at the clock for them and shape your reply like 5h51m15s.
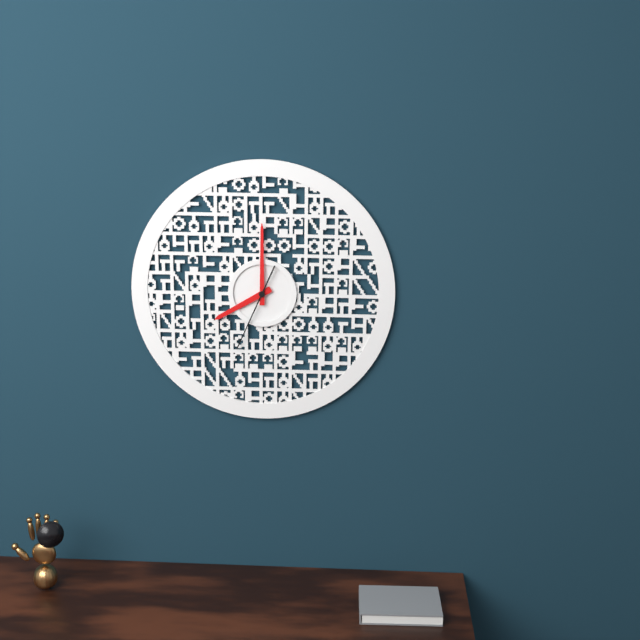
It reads 8h00m34s
